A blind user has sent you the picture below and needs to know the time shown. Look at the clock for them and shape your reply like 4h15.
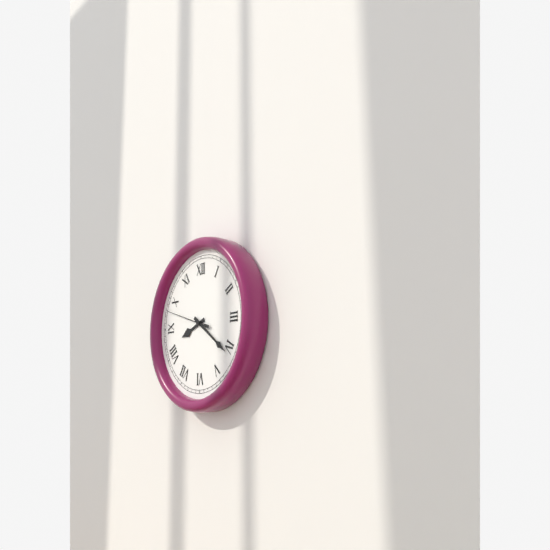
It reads 8h21
